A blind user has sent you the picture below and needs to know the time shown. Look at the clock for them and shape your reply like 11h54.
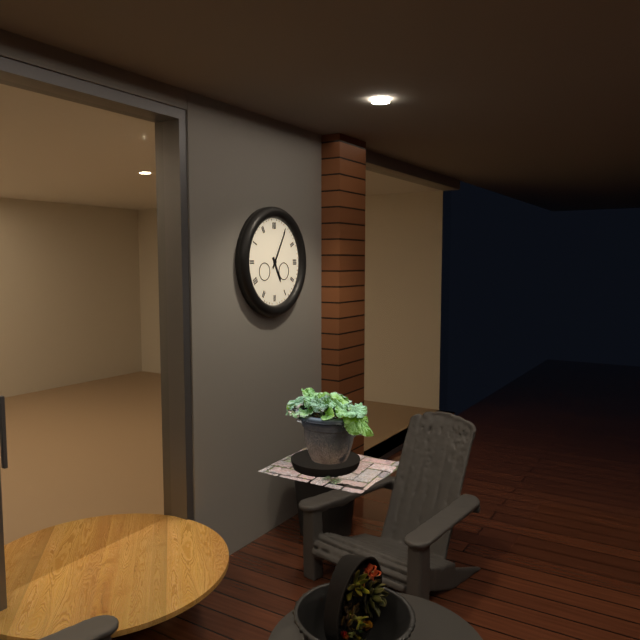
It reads 5h05
